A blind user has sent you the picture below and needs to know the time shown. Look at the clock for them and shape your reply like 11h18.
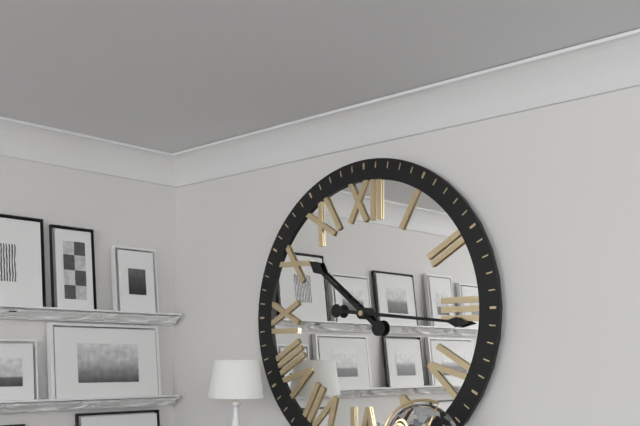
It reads 10h16
